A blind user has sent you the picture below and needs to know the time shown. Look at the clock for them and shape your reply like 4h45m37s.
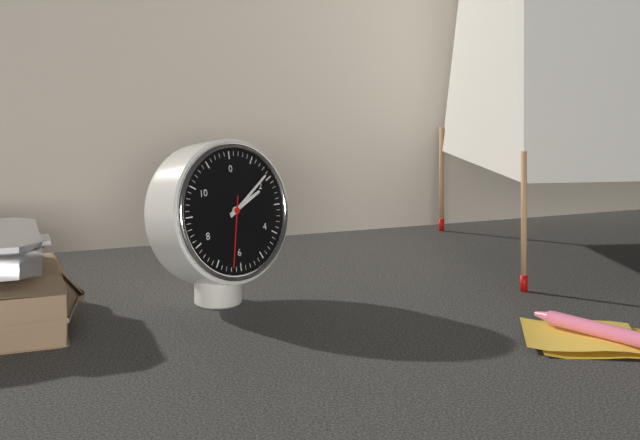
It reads 2h09m32s
